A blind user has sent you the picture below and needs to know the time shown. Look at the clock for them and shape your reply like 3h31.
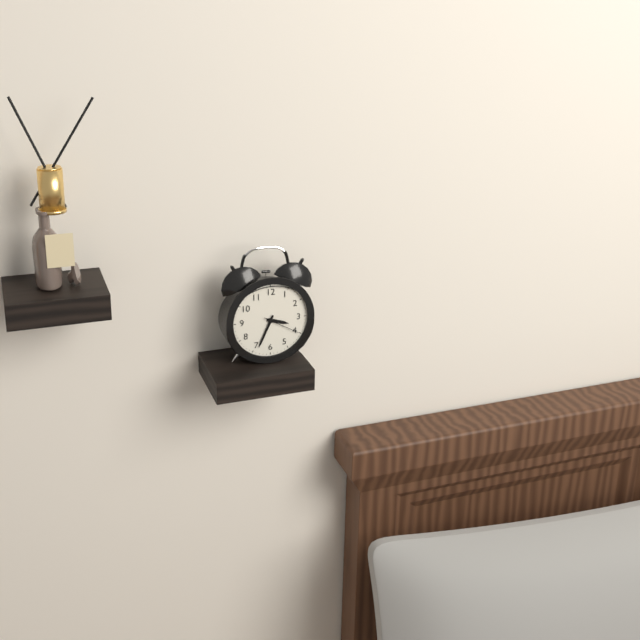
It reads 3h34
